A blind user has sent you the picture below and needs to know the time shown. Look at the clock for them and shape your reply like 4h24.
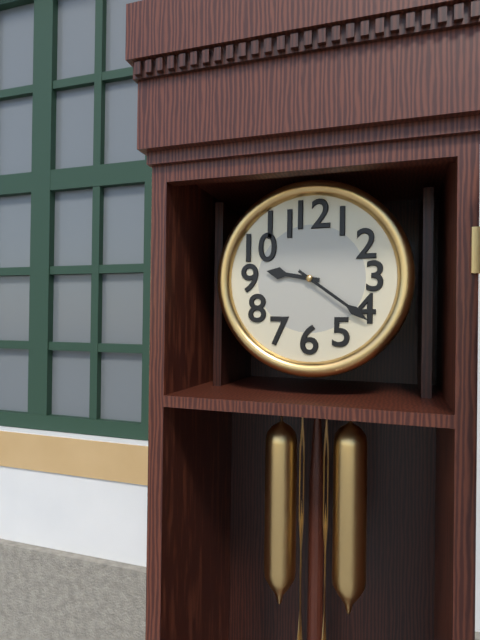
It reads 9h21
